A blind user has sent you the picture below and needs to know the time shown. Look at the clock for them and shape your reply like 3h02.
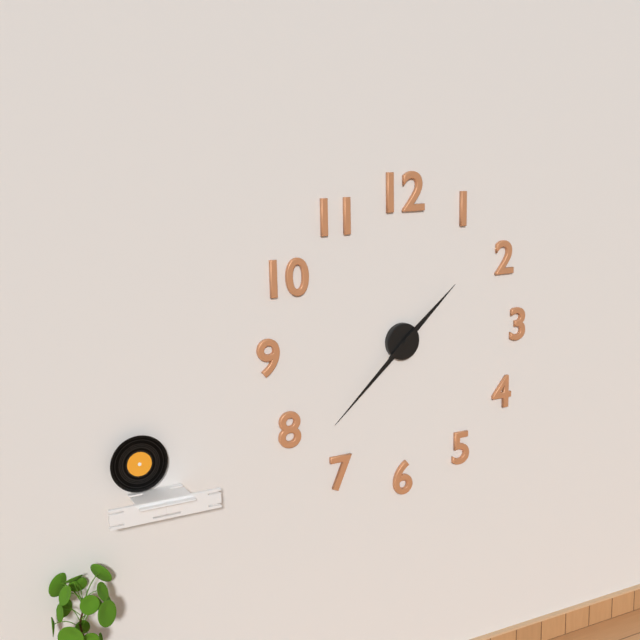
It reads 1h38
